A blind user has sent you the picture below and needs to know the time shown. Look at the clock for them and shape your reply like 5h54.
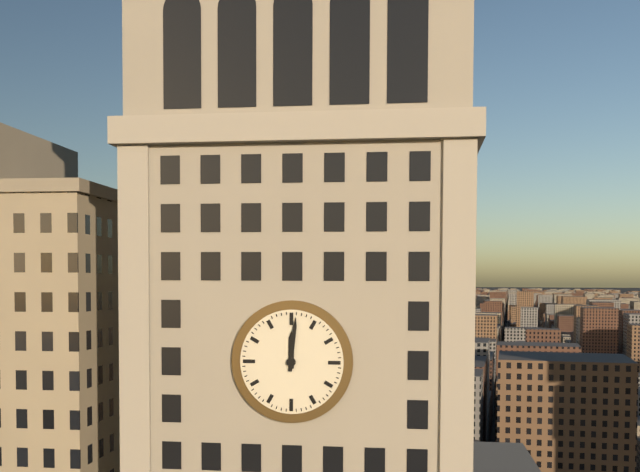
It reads 12h01
